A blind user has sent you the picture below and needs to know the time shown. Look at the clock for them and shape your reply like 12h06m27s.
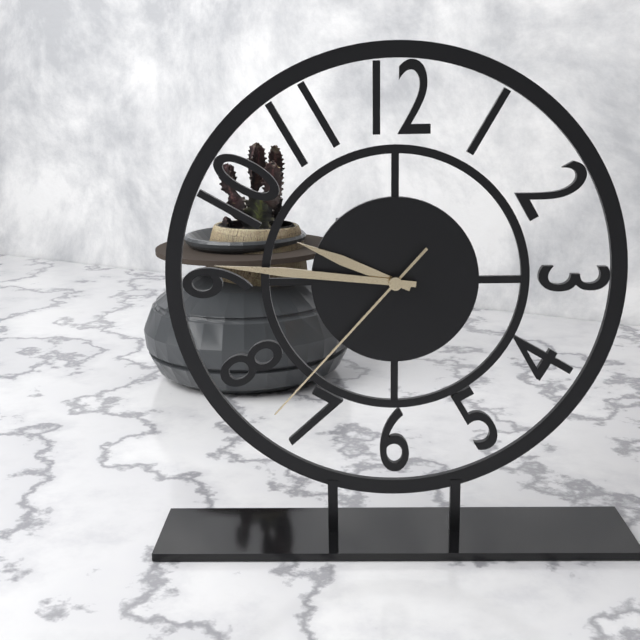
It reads 9h46m37s
